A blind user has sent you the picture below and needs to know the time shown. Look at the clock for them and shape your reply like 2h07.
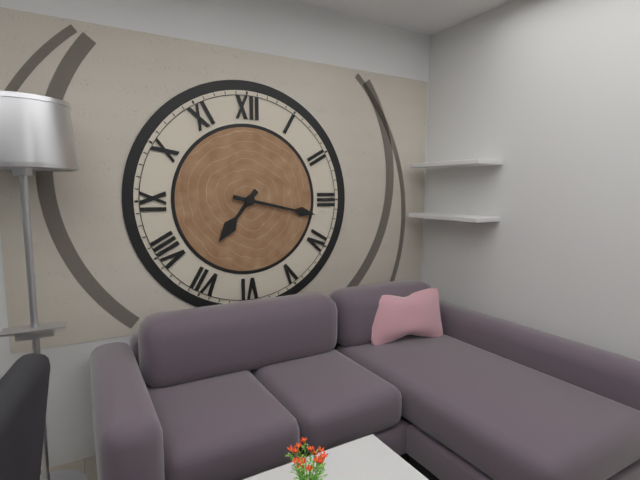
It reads 7h17
